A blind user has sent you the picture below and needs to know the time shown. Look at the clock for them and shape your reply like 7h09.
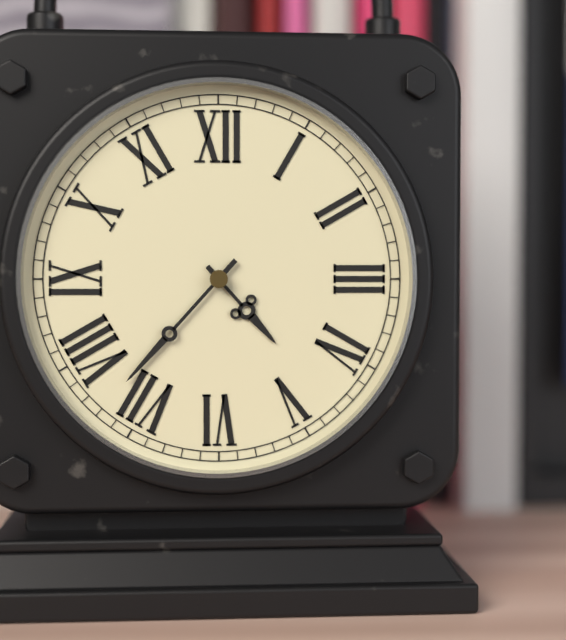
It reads 4h37
